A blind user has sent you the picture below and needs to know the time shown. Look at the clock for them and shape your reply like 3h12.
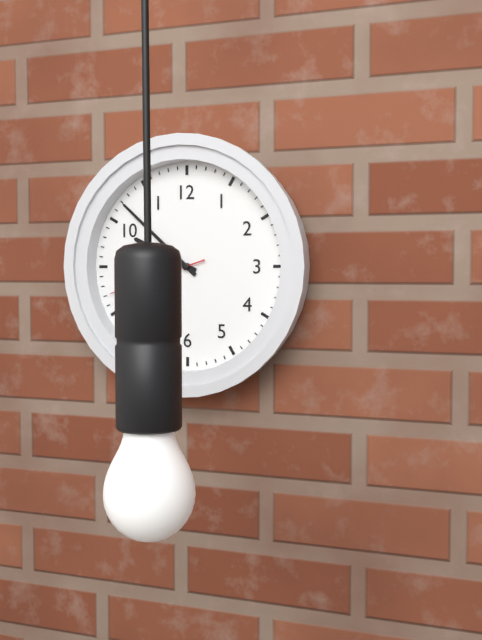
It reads 9h52
